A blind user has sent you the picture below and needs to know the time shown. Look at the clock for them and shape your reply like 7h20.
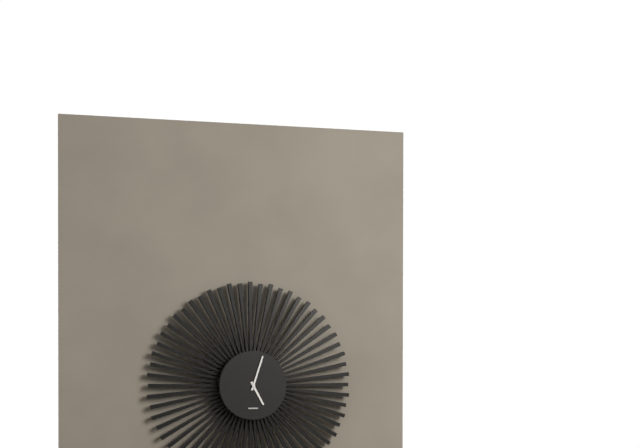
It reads 5h03
